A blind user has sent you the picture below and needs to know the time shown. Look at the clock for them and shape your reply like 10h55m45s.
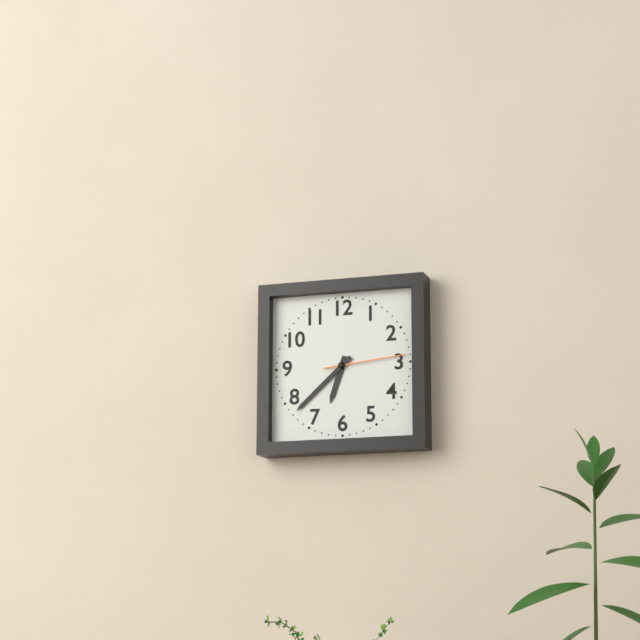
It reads 6h38m14s
